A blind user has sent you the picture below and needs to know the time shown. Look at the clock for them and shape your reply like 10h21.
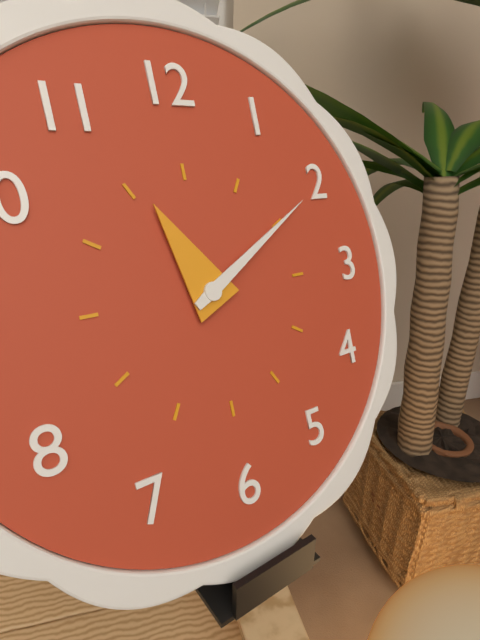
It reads 11h10
